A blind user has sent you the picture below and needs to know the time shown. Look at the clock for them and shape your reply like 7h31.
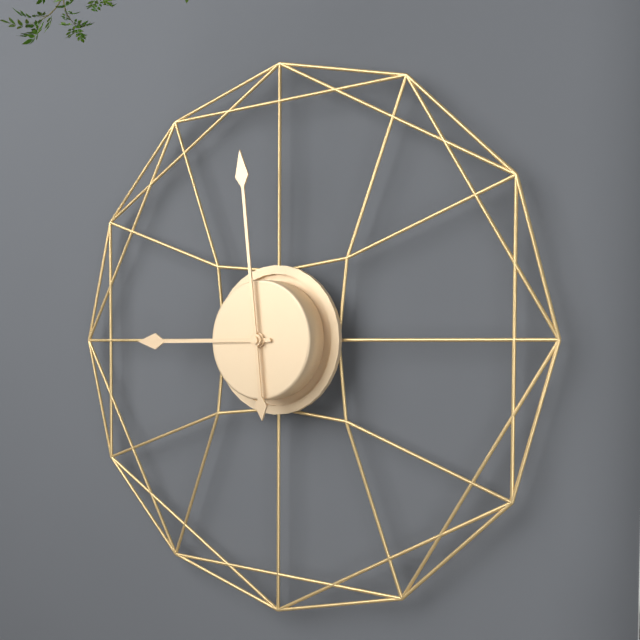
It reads 8h59
